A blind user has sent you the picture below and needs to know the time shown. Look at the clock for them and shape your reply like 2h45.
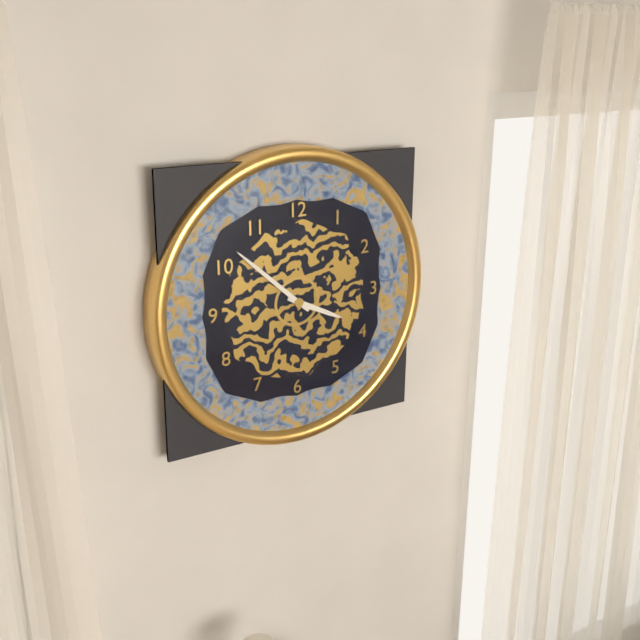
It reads 3h52
